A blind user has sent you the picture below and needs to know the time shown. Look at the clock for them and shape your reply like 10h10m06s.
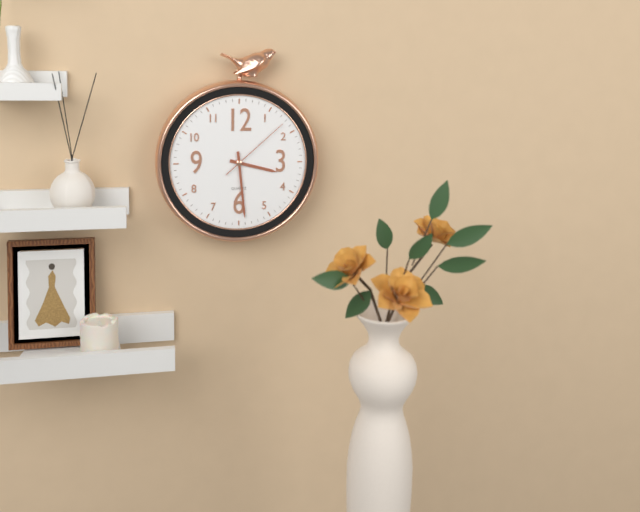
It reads 3h29m08s
